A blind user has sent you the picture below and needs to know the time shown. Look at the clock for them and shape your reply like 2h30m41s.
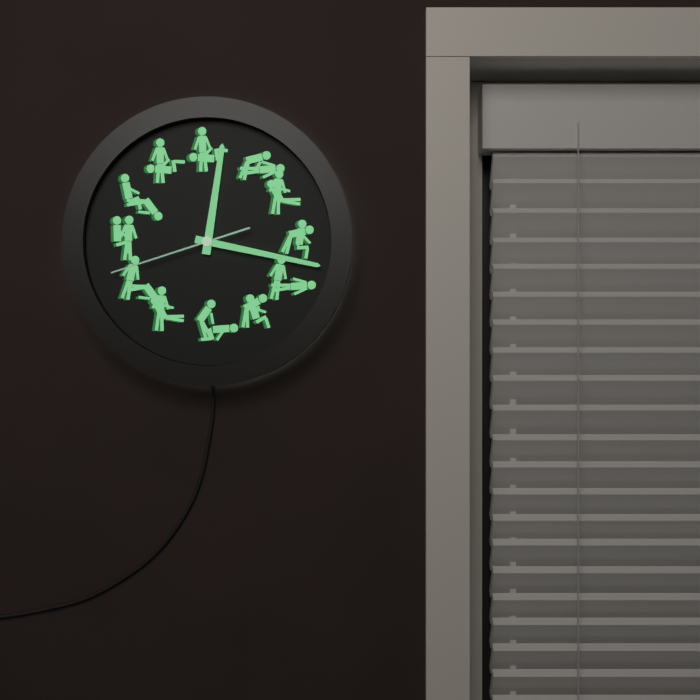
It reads 12h17m42s
